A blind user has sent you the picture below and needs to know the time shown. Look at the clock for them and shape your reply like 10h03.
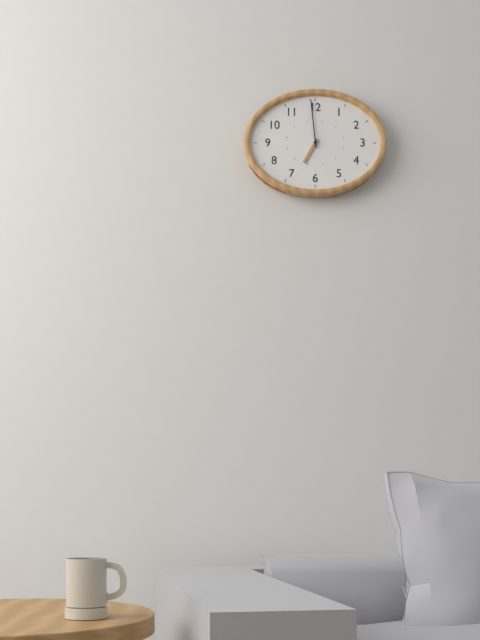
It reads 6h59
